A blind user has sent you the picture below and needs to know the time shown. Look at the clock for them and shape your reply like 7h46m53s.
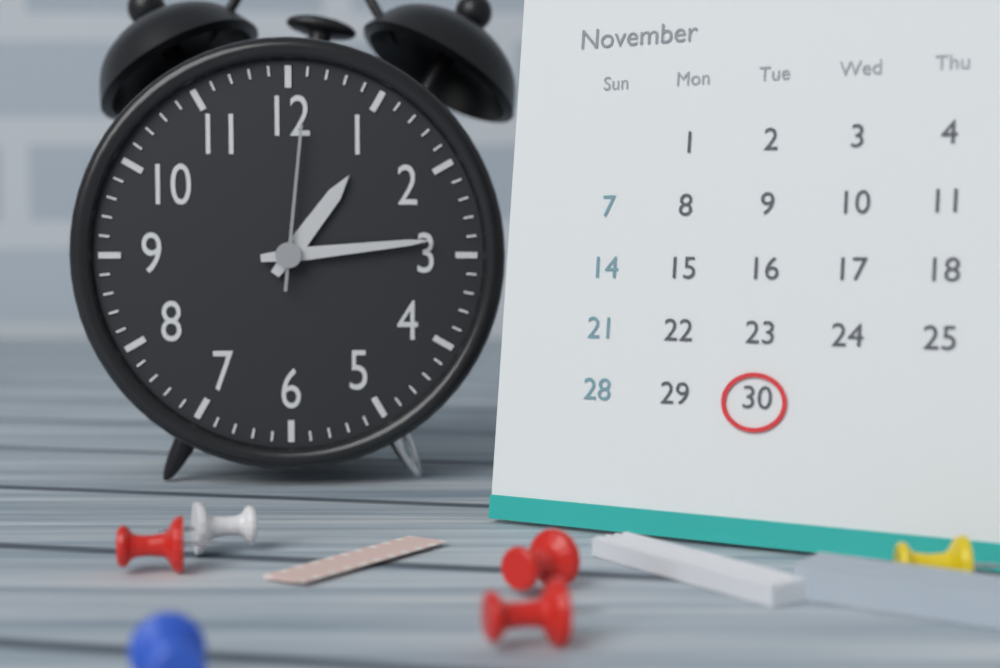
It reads 1h14m01s
